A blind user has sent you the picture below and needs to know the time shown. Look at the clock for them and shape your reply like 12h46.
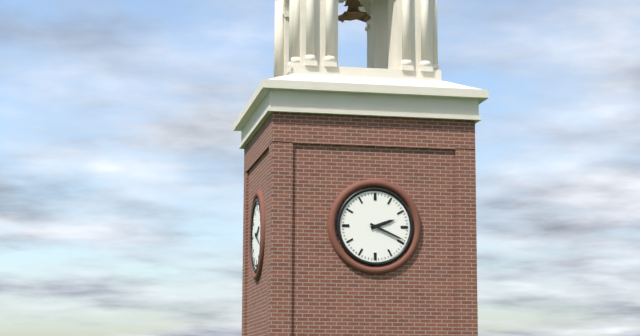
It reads 2h19
